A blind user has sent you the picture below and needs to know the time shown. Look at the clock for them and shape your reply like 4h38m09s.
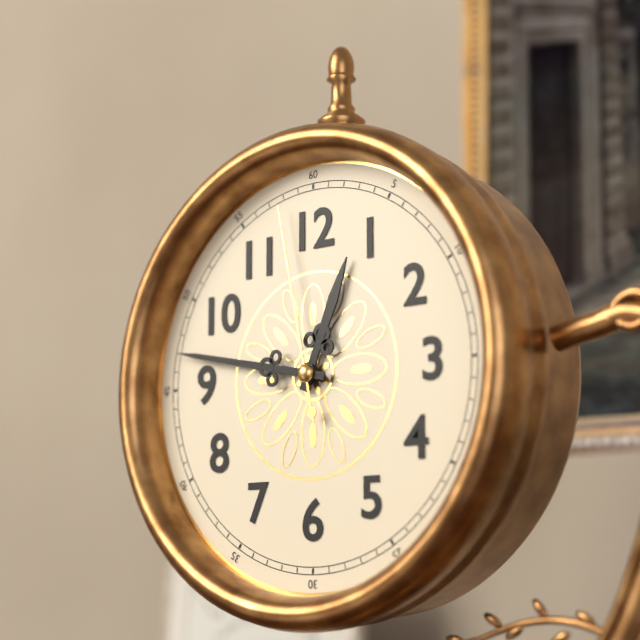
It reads 12h47m58s
